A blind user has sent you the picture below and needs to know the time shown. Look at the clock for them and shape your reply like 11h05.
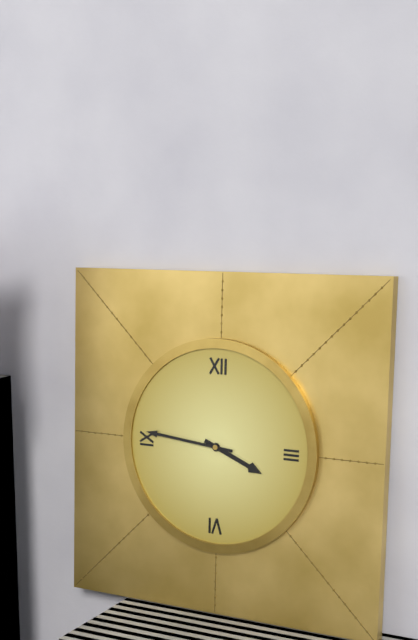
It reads 3h46
